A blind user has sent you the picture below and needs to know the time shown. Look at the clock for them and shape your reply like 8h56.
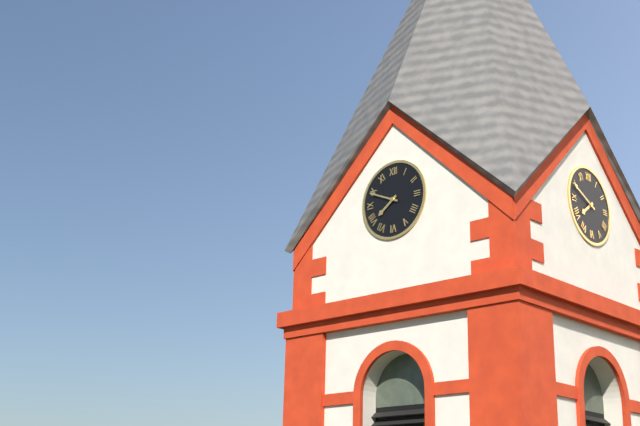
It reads 7h49
